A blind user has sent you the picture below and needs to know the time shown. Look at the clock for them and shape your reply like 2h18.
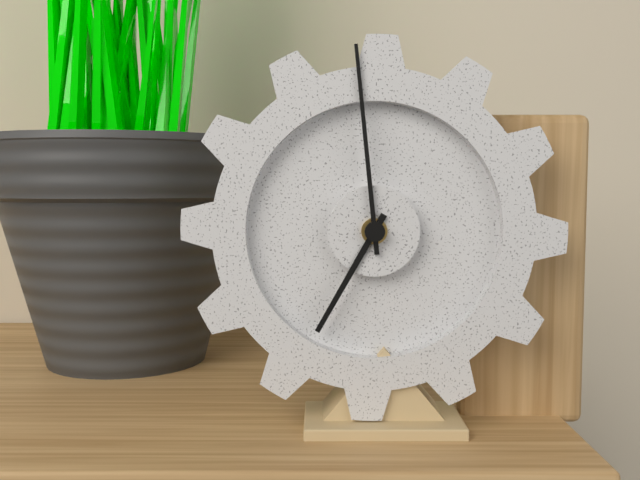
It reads 6h59
